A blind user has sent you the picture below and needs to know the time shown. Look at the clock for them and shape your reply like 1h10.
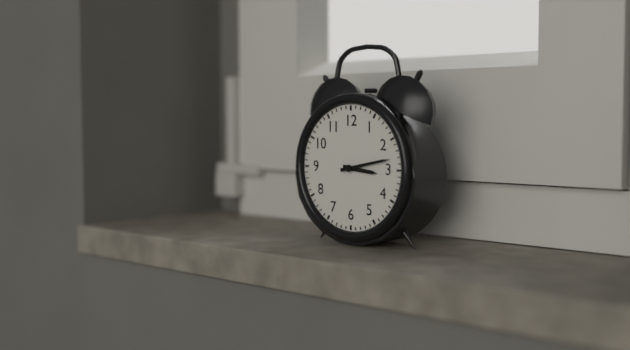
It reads 3h13
